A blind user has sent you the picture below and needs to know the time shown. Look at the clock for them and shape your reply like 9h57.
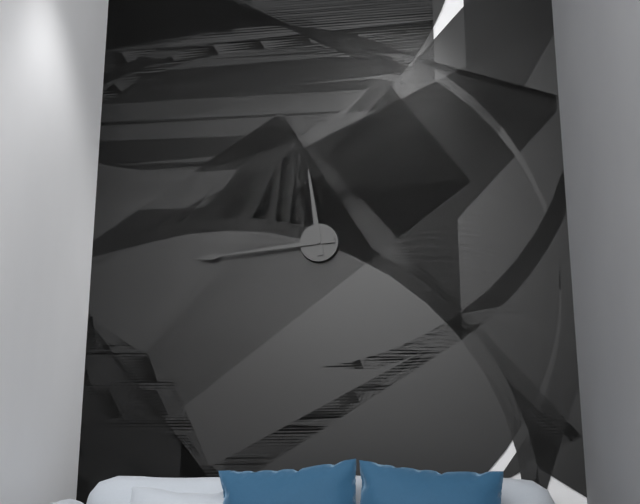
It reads 11h44
